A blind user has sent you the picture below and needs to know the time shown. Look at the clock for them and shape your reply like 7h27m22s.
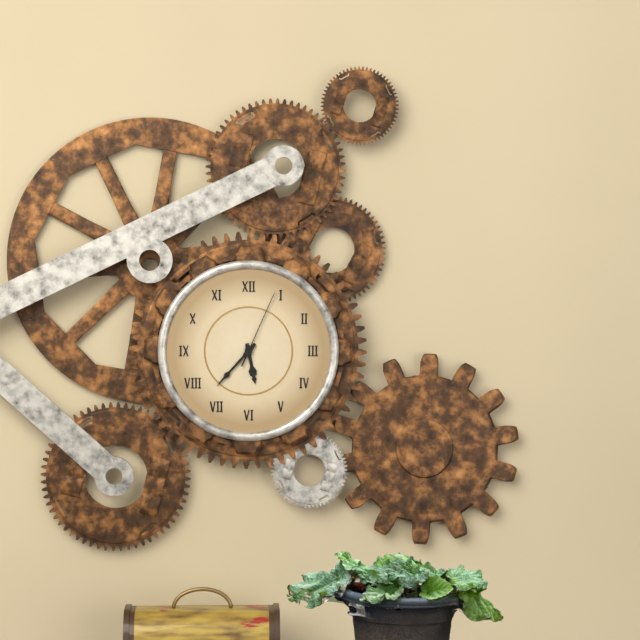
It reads 5h37m04s
